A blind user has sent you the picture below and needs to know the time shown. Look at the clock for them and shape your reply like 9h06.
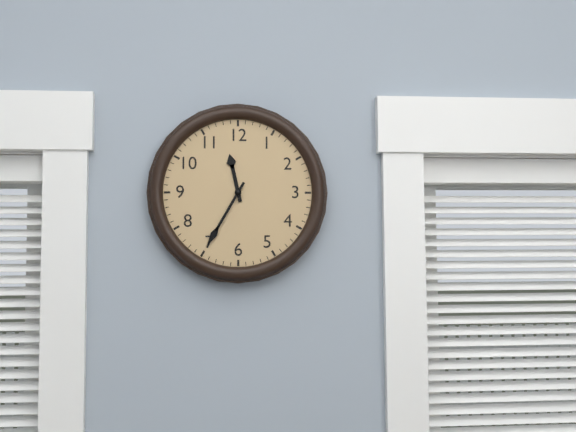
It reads 11h35
